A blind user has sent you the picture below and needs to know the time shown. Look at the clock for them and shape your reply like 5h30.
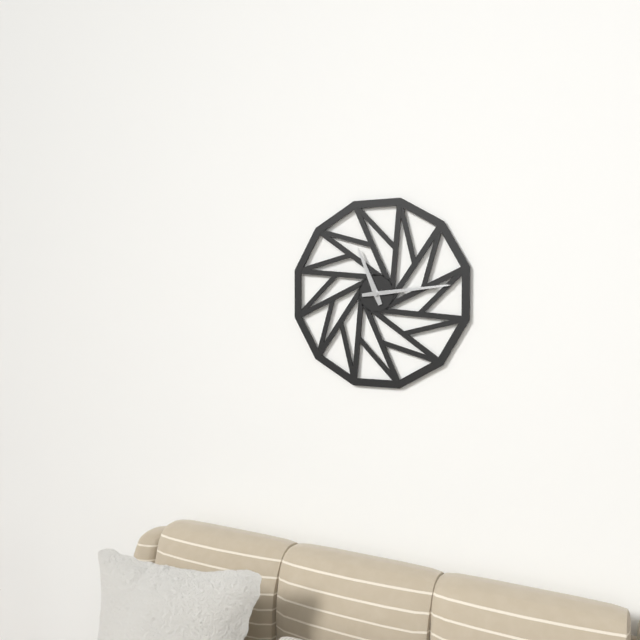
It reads 11h14
